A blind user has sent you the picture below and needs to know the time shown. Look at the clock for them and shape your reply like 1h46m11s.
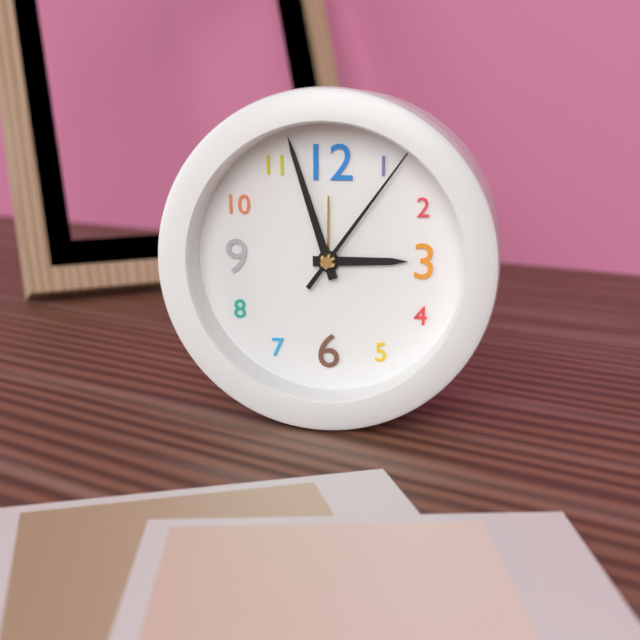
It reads 2h57m06s
